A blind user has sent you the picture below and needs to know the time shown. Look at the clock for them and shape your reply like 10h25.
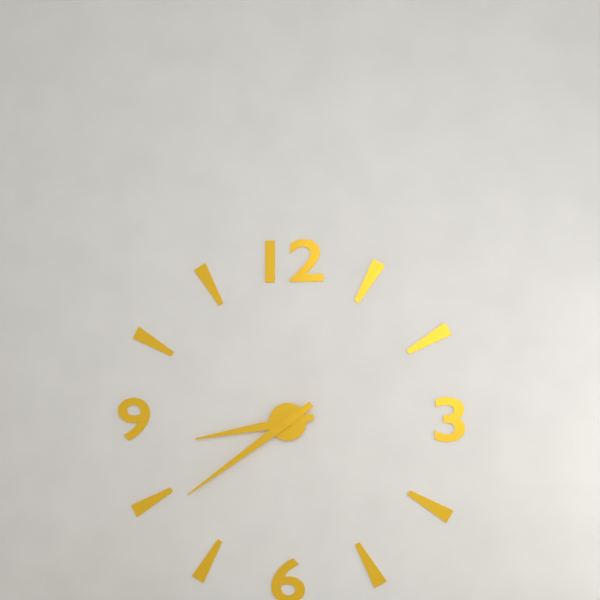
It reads 8h39
